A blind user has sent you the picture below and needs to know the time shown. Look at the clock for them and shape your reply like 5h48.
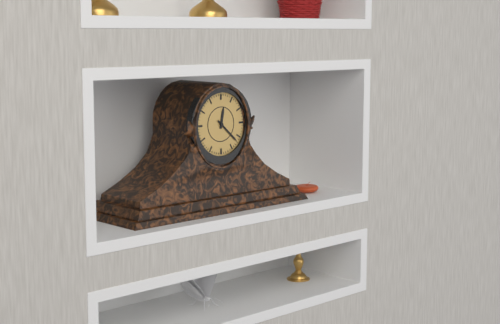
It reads 12h22
